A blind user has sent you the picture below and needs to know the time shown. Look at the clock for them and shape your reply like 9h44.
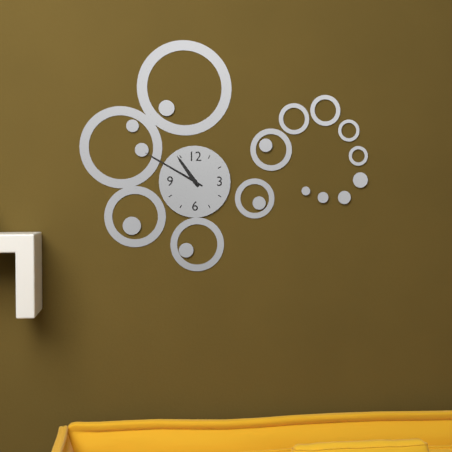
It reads 10h50
